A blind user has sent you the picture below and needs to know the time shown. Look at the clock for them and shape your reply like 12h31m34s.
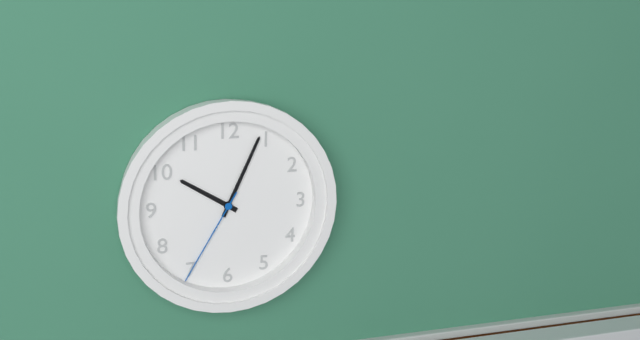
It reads 10h04m35s
